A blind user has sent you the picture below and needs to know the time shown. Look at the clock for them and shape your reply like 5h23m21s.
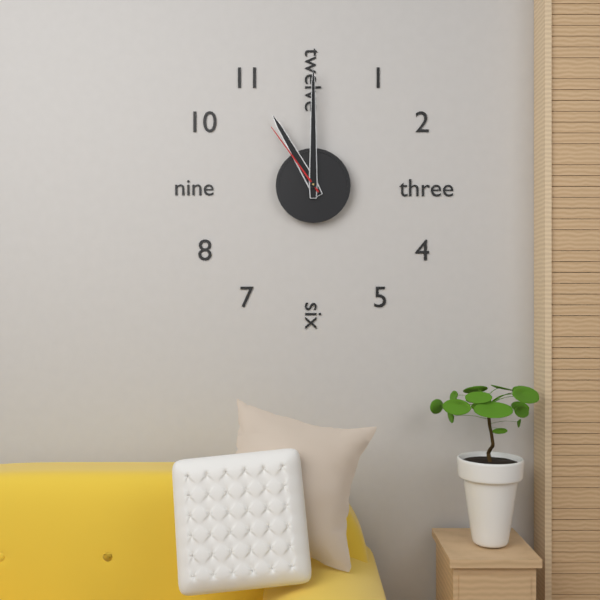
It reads 11h00m54s
